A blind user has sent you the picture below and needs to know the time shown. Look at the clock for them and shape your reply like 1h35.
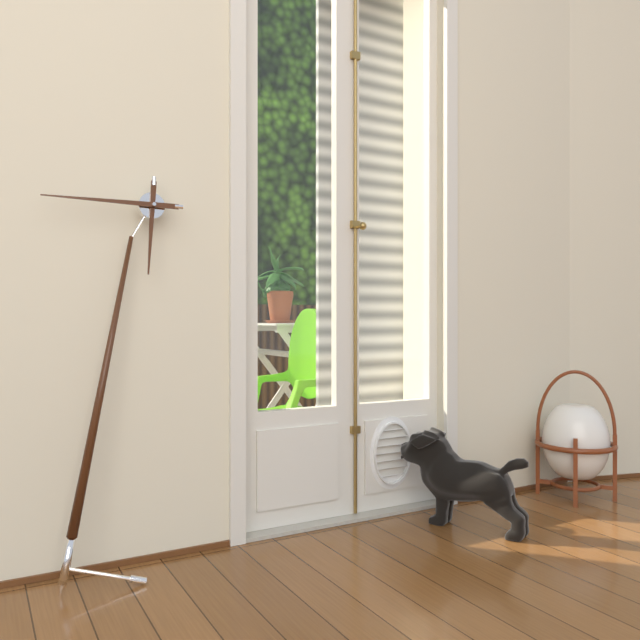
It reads 5h43
